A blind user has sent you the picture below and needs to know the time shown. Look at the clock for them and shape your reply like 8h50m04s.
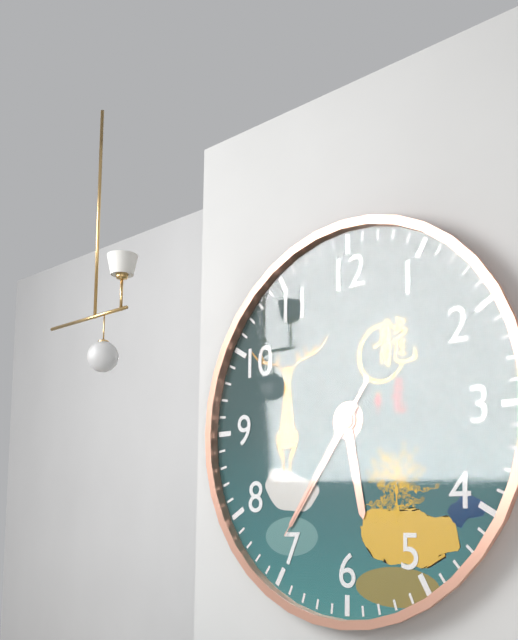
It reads 5h36m36s
